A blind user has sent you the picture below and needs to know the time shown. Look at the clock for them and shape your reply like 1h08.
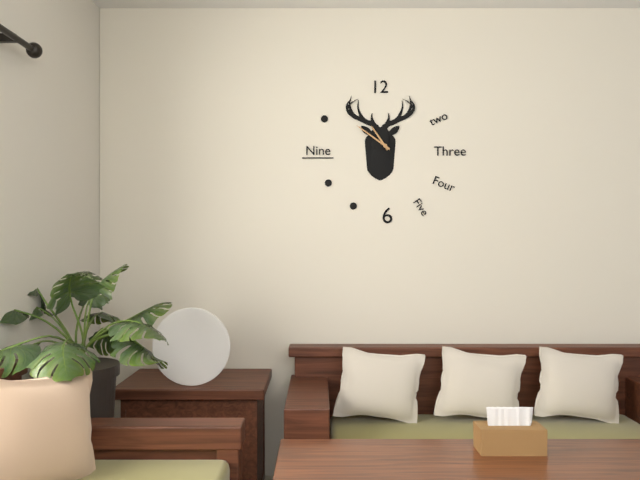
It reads 10h51
